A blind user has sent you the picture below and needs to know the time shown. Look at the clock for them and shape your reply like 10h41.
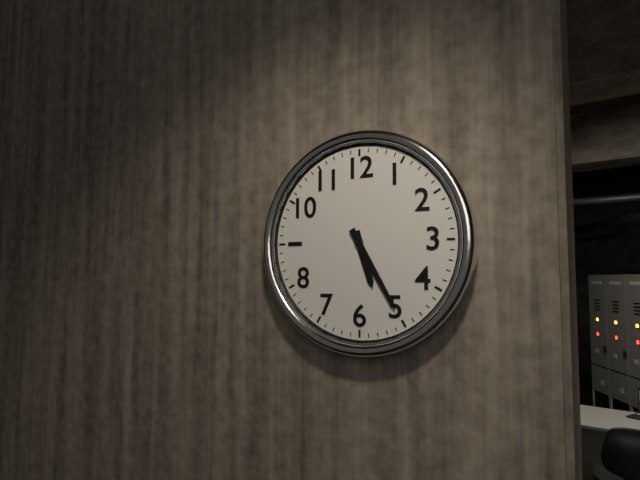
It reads 5h25
